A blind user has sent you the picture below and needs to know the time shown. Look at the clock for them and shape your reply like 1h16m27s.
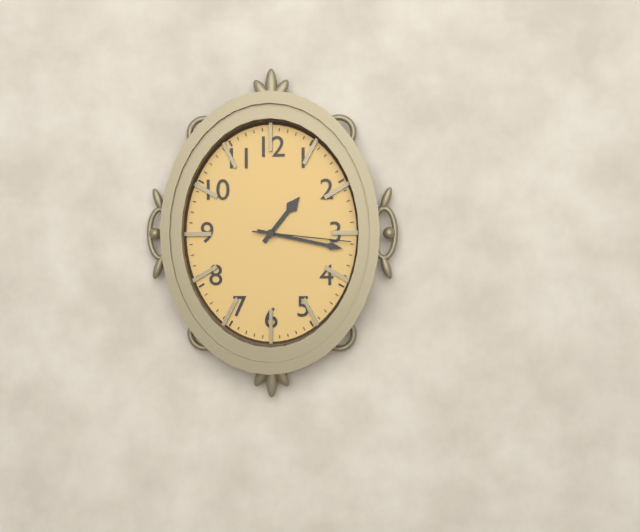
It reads 1h17m16s
